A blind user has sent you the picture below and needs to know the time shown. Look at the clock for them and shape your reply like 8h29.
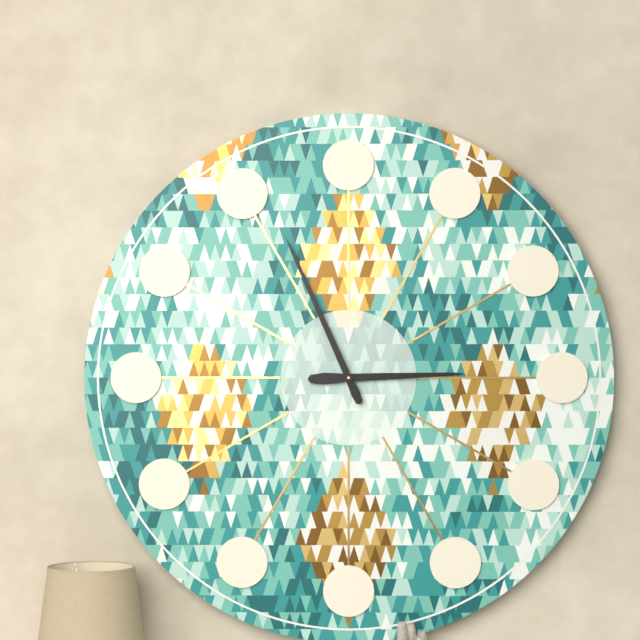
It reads 2h56
